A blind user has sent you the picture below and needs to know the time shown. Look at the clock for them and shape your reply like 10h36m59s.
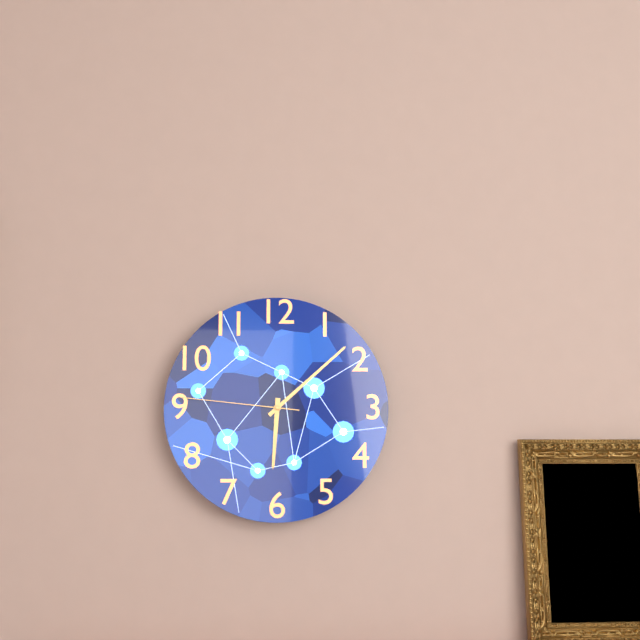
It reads 6h08m46s
